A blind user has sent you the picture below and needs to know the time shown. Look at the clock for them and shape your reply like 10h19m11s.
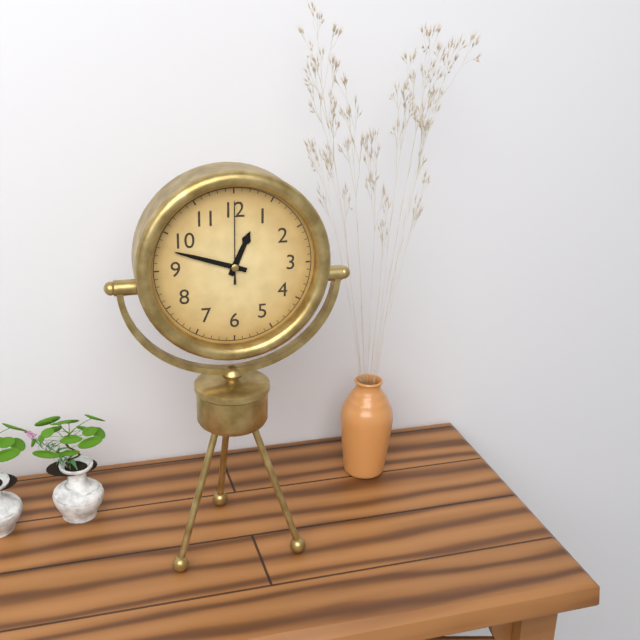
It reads 12h48m00s
